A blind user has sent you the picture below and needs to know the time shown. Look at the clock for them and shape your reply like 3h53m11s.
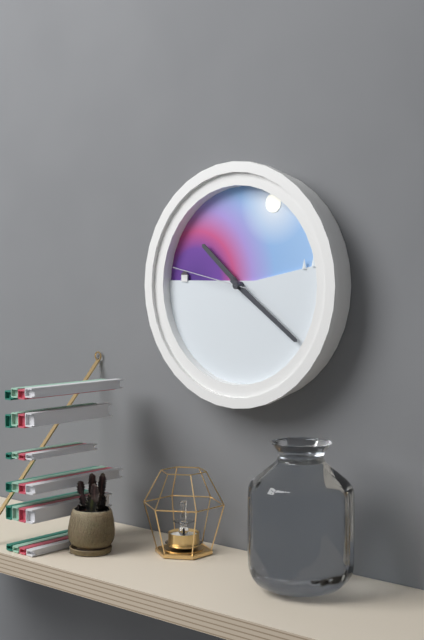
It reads 10h21m47s
